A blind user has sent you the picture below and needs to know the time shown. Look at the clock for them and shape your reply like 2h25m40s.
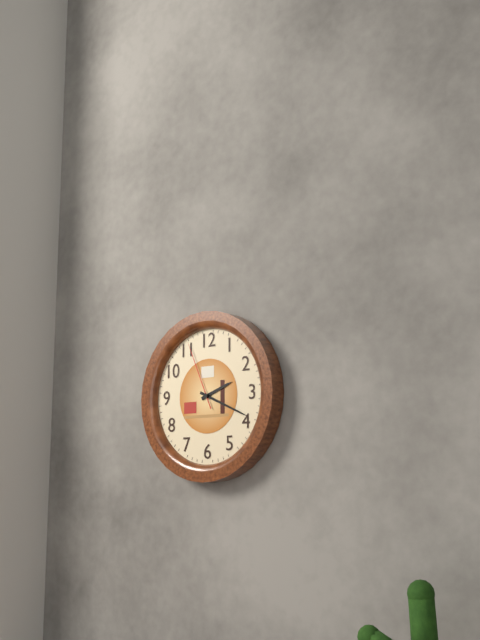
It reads 2h19m56s
